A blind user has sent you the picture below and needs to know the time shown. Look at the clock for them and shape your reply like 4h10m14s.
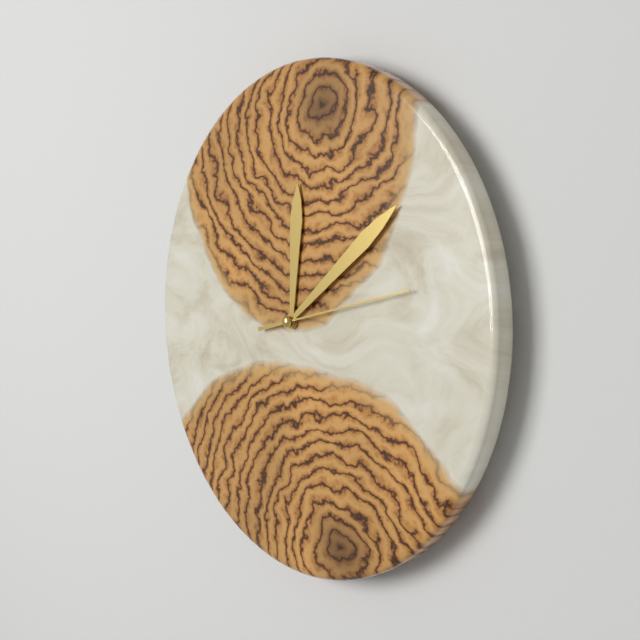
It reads 12h09m13s
